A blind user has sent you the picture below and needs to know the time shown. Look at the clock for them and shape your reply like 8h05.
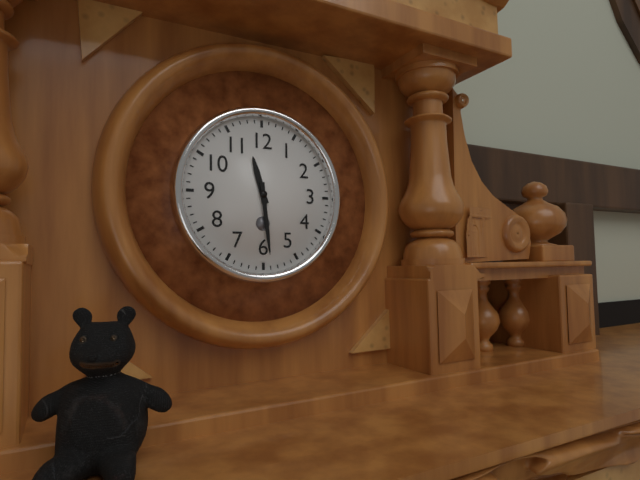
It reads 11h29
